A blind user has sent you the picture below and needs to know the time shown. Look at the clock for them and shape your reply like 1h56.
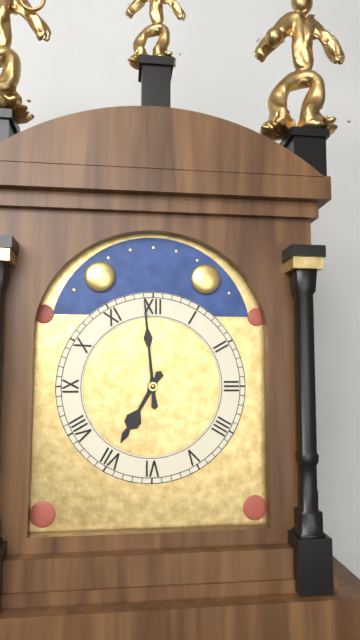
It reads 6h59
